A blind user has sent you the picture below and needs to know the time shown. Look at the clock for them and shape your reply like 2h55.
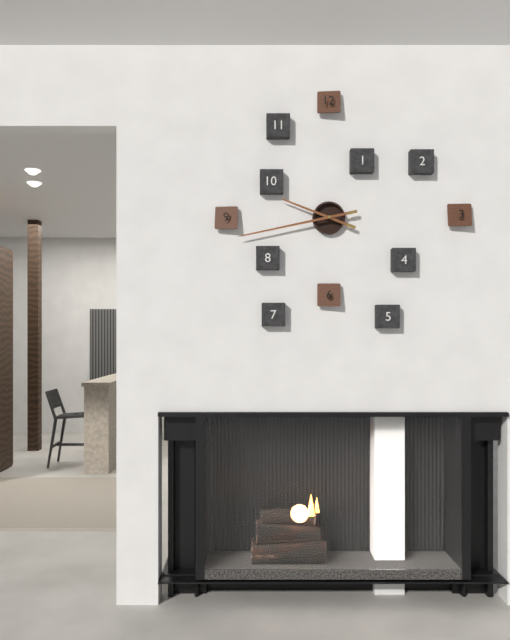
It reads 9h43
